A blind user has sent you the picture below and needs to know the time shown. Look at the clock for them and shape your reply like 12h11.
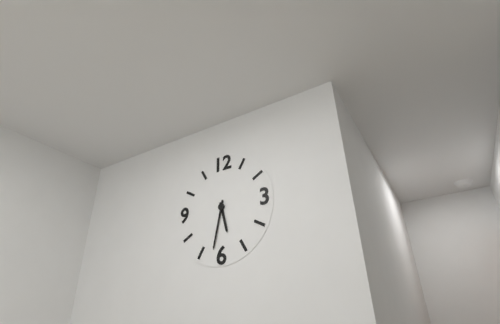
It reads 5h32
